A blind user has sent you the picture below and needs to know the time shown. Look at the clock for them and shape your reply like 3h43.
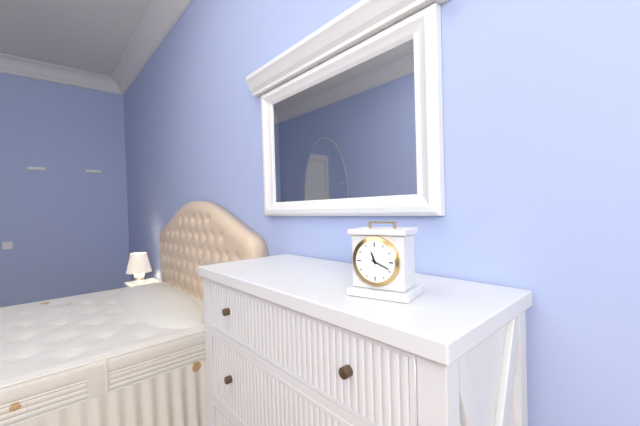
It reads 11h19
